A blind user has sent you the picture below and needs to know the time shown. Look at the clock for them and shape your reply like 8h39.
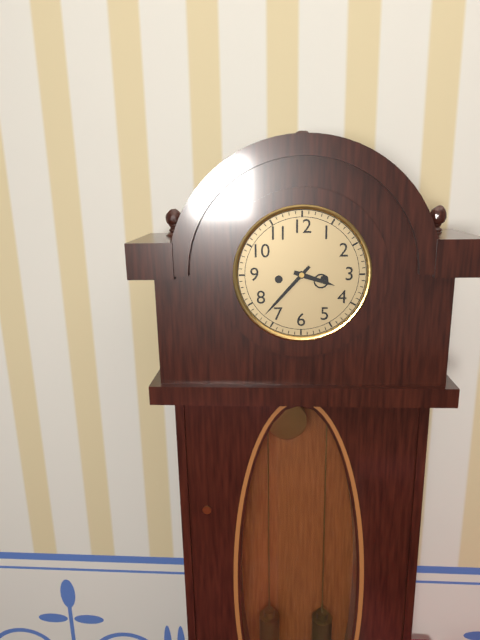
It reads 3h37
